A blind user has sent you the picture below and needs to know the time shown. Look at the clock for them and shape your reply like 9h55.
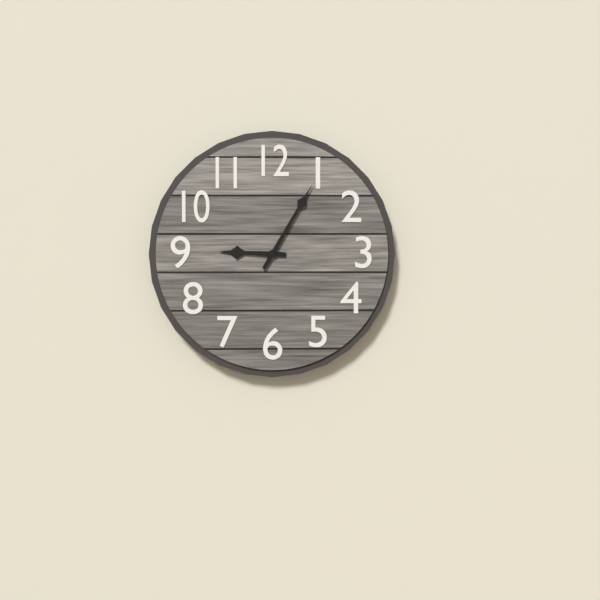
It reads 9h05
